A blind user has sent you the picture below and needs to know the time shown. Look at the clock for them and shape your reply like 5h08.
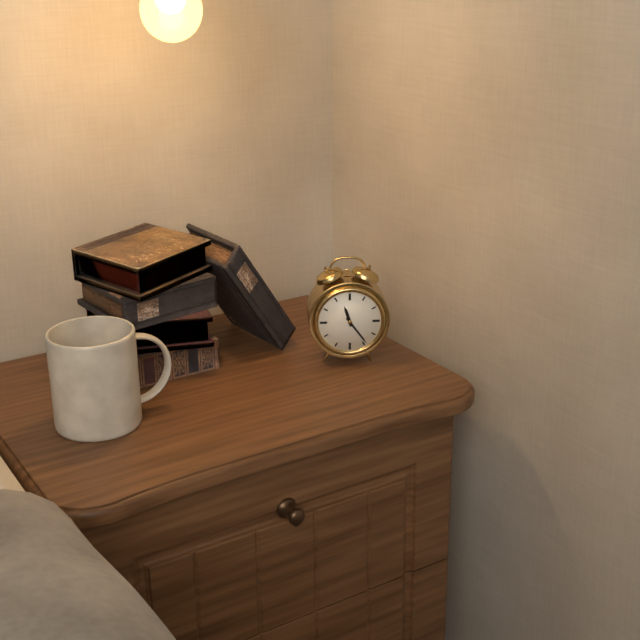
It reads 11h24
